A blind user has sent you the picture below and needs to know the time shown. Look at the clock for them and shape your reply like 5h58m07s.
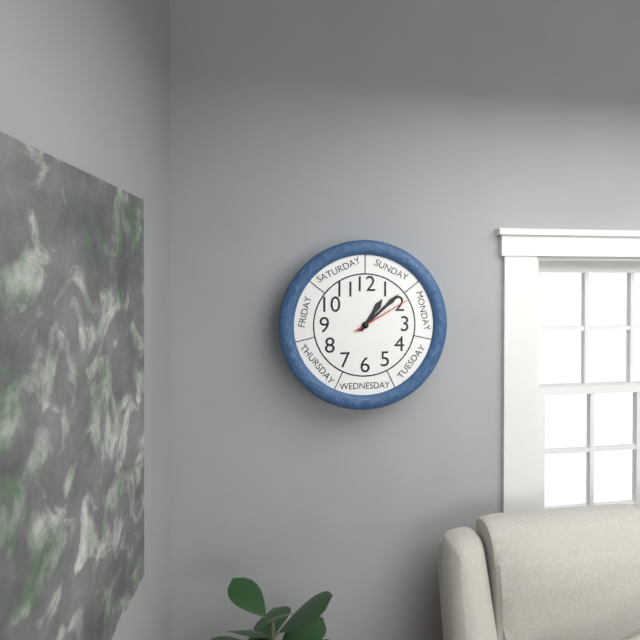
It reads 1h08m10s
